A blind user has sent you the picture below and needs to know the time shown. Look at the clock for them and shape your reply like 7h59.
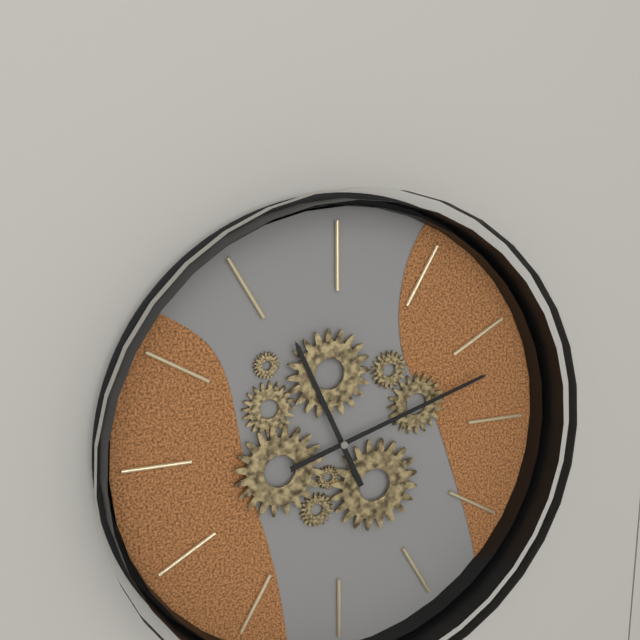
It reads 11h12
